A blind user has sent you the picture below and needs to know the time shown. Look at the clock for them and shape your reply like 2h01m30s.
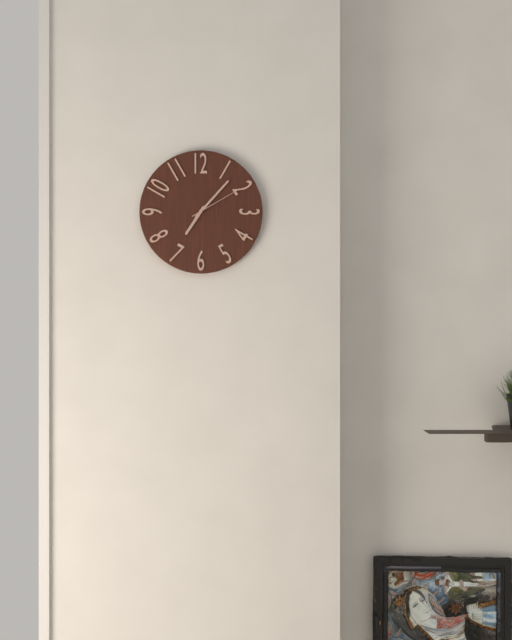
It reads 7h07m10s
